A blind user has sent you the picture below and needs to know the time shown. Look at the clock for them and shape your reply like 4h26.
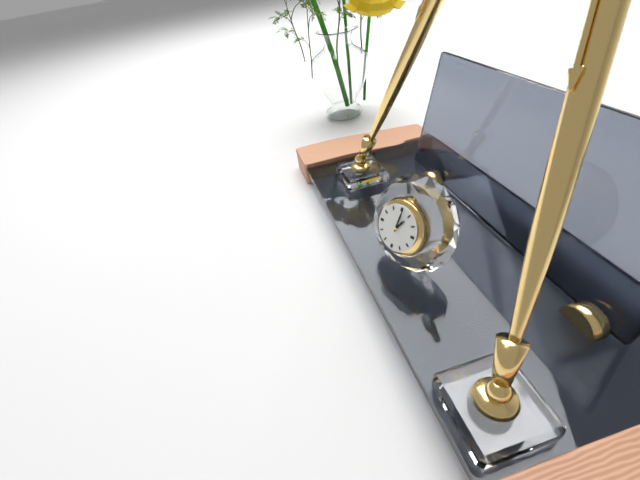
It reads 1h01
